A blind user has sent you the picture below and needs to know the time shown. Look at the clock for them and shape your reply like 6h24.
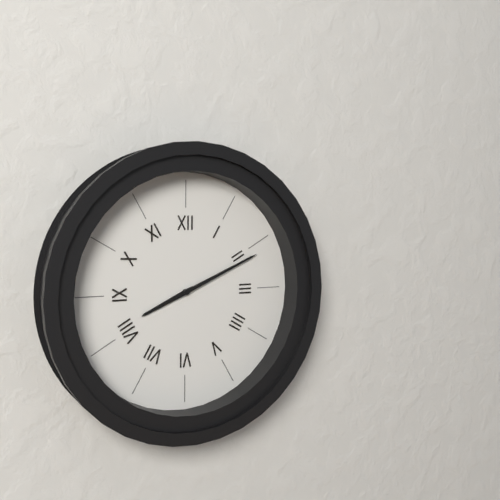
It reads 8h11
